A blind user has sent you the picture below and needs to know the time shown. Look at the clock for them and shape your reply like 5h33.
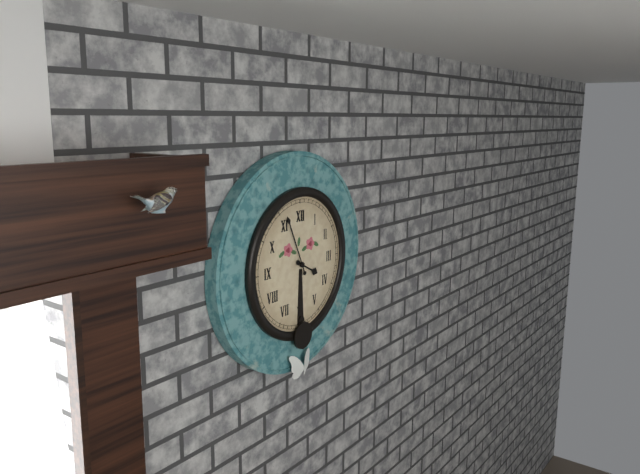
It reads 3h56
